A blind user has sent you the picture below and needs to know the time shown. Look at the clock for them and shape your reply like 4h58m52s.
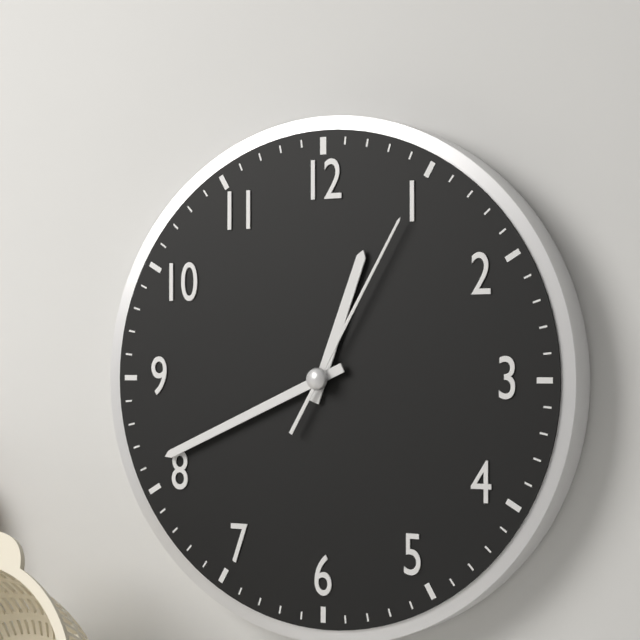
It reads 12h41m05s
